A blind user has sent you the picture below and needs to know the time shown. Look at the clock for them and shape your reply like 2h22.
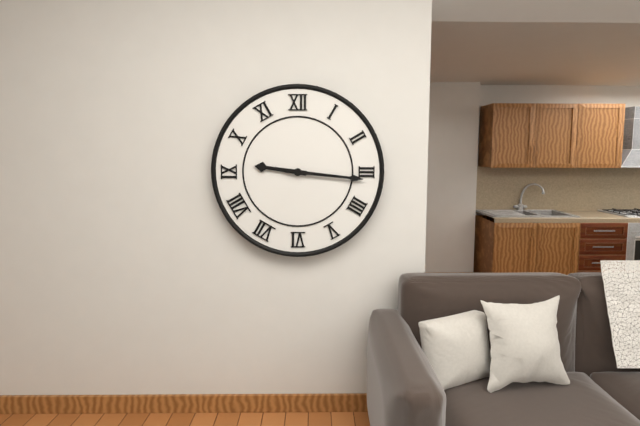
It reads 9h16
